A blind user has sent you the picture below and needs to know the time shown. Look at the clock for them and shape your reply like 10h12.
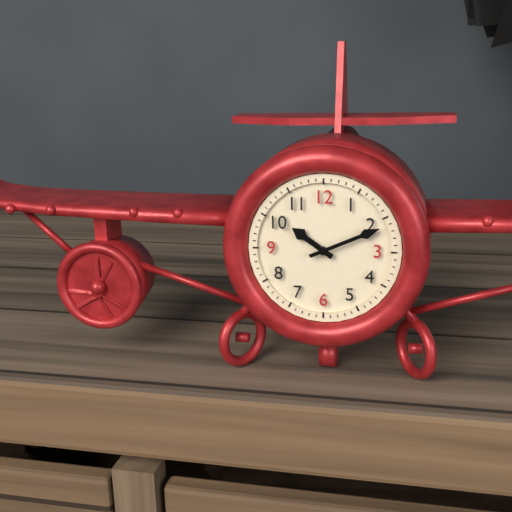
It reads 10h11
